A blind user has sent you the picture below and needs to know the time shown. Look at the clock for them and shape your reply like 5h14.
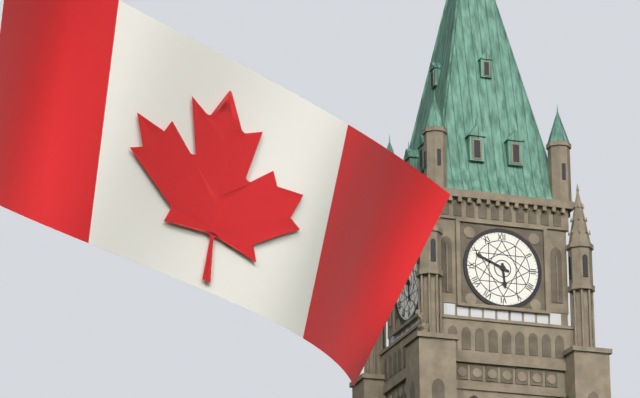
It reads 5h49
